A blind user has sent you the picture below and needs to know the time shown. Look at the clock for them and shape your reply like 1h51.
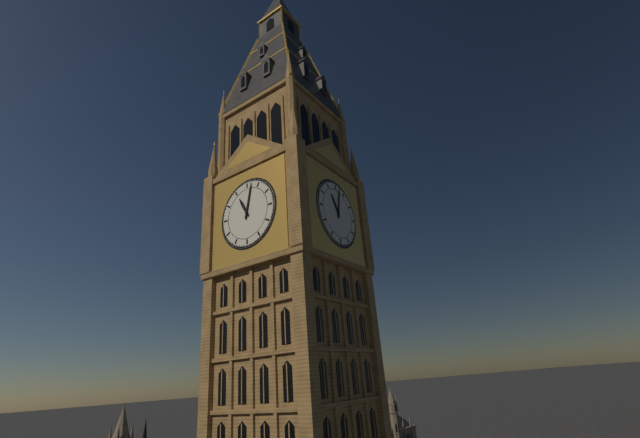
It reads 11h02
